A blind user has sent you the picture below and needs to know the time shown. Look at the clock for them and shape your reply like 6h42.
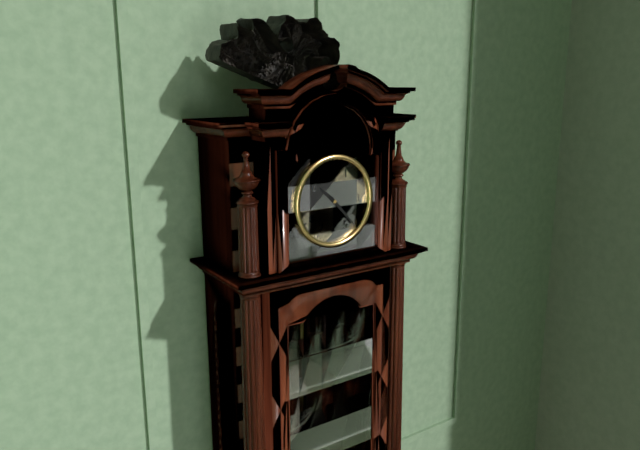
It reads 10h23
